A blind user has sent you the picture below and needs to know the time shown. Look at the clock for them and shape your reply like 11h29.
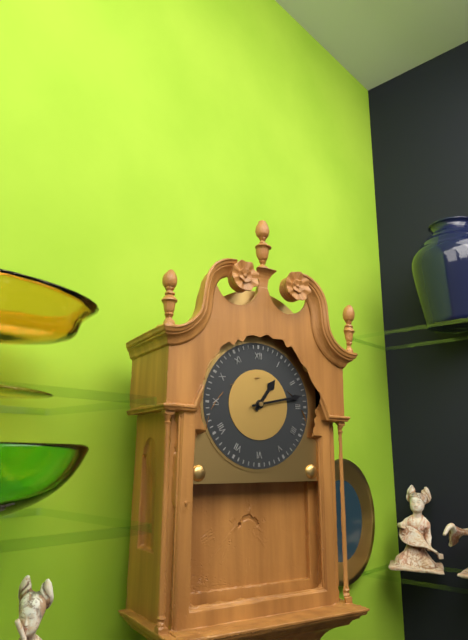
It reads 1h13
